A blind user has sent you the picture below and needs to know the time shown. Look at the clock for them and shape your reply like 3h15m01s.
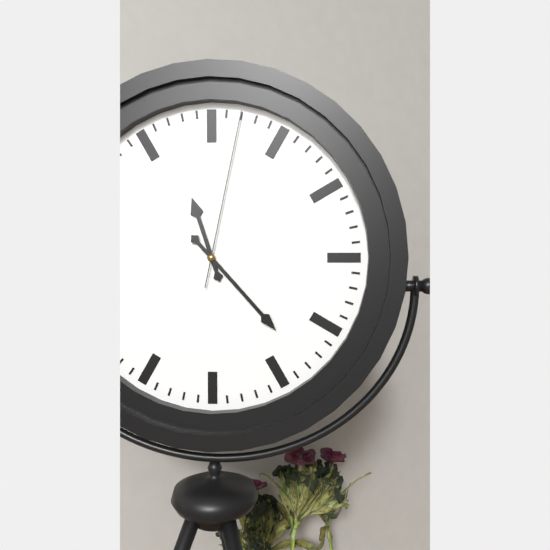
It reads 11h23m02s
